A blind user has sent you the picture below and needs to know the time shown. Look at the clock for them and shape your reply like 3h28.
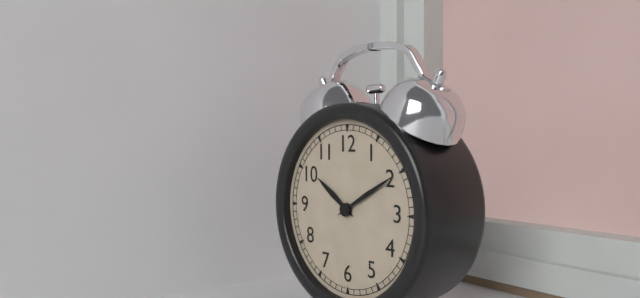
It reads 10h10
